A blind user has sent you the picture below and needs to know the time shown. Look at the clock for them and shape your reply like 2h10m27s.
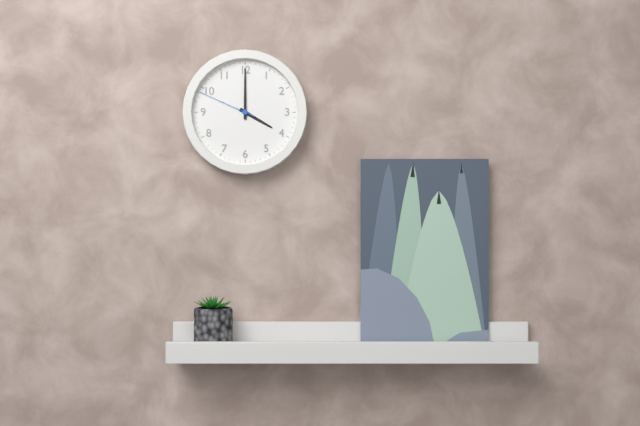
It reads 4h00m49s
